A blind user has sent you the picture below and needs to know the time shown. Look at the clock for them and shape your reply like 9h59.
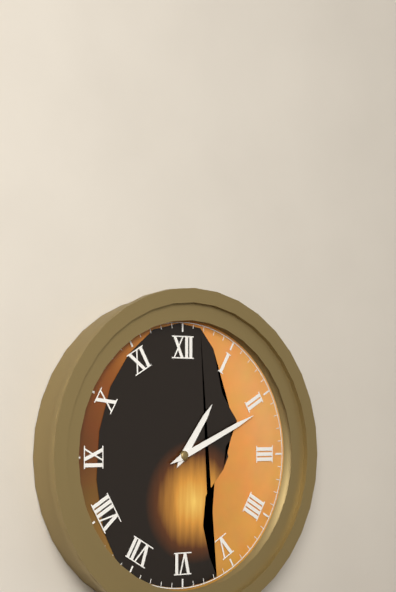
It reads 1h11
